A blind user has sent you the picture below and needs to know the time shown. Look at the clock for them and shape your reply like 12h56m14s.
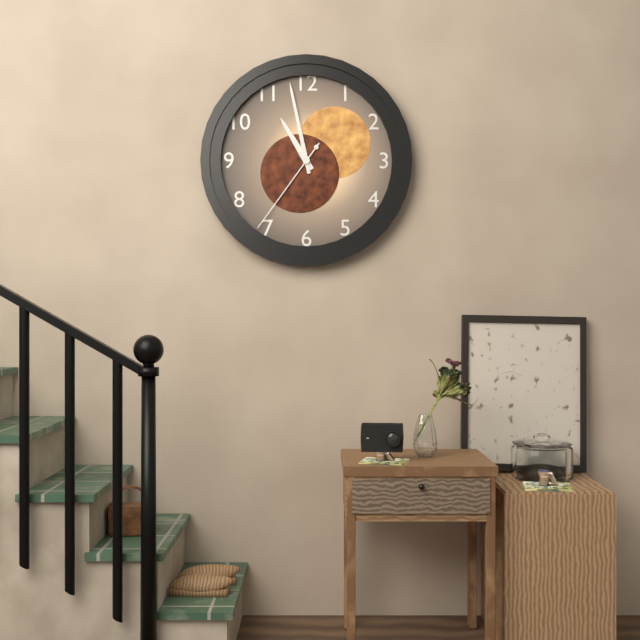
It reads 10h58m36s
